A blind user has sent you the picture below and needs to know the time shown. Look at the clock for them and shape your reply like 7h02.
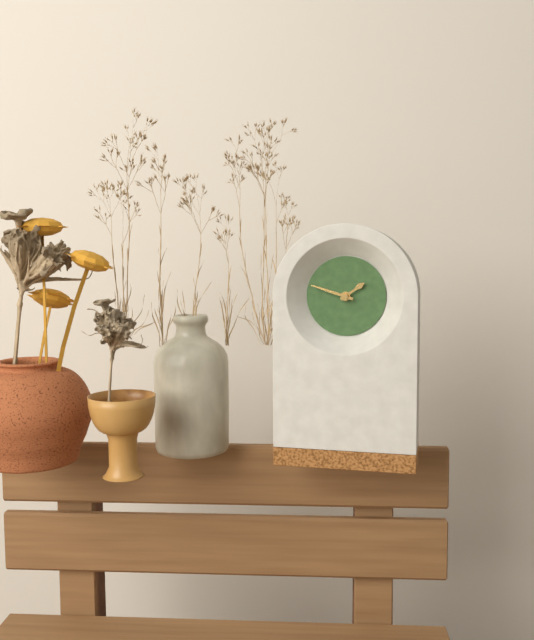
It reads 1h48
